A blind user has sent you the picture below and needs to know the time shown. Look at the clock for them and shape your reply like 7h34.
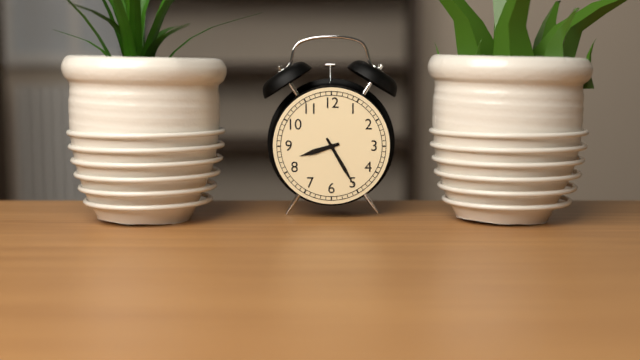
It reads 8h25
